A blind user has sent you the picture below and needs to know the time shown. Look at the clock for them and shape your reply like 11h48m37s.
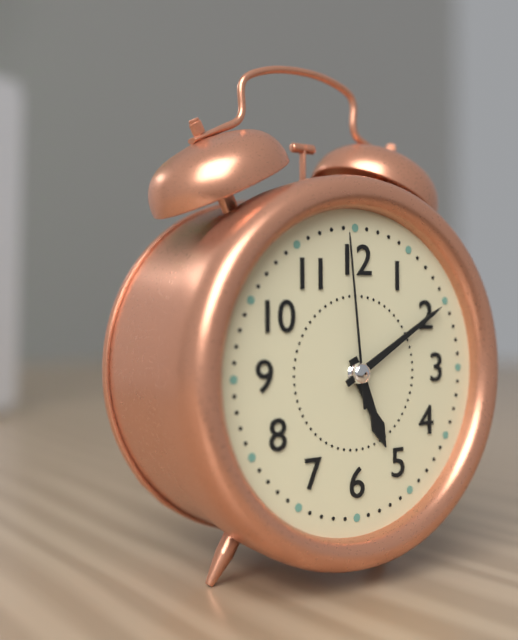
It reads 5h10m59s
